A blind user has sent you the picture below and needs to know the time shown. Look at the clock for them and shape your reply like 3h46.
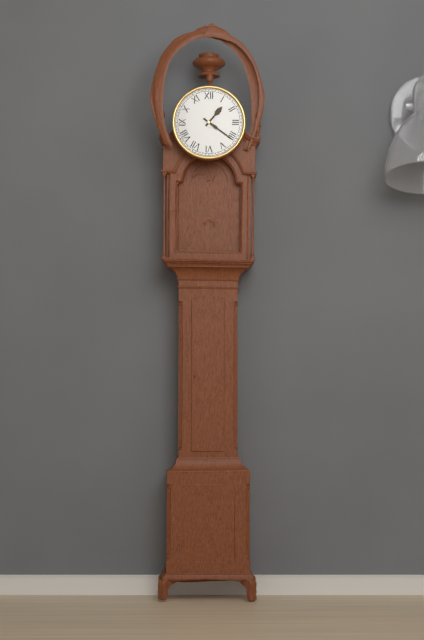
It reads 1h21
